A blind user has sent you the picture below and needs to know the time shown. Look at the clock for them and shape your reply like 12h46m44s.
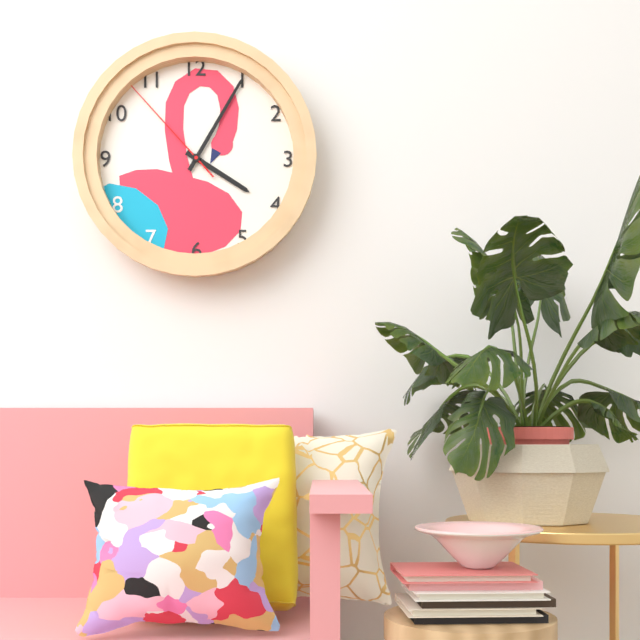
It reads 4h05m53s
